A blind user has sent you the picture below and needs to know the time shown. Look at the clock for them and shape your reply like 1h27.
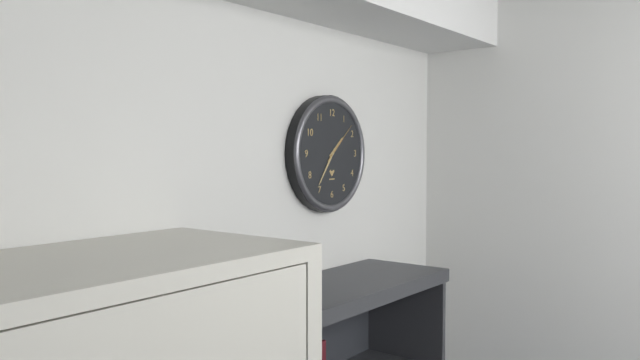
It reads 1h36
